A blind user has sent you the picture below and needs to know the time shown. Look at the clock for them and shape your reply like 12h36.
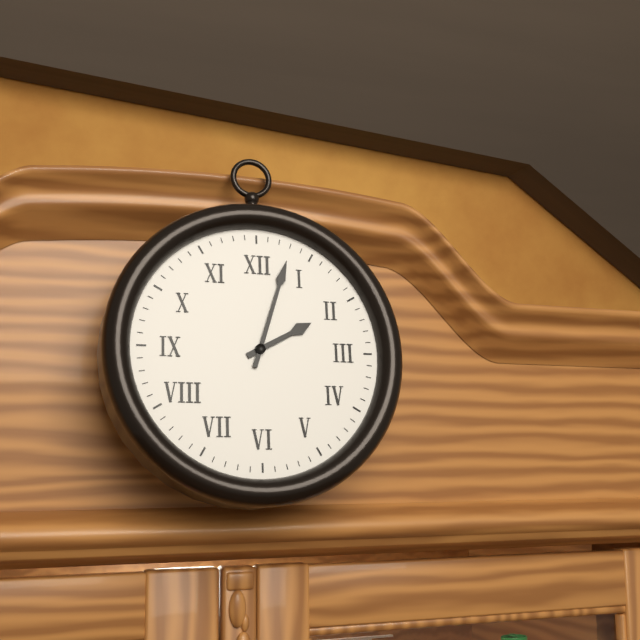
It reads 2h03
